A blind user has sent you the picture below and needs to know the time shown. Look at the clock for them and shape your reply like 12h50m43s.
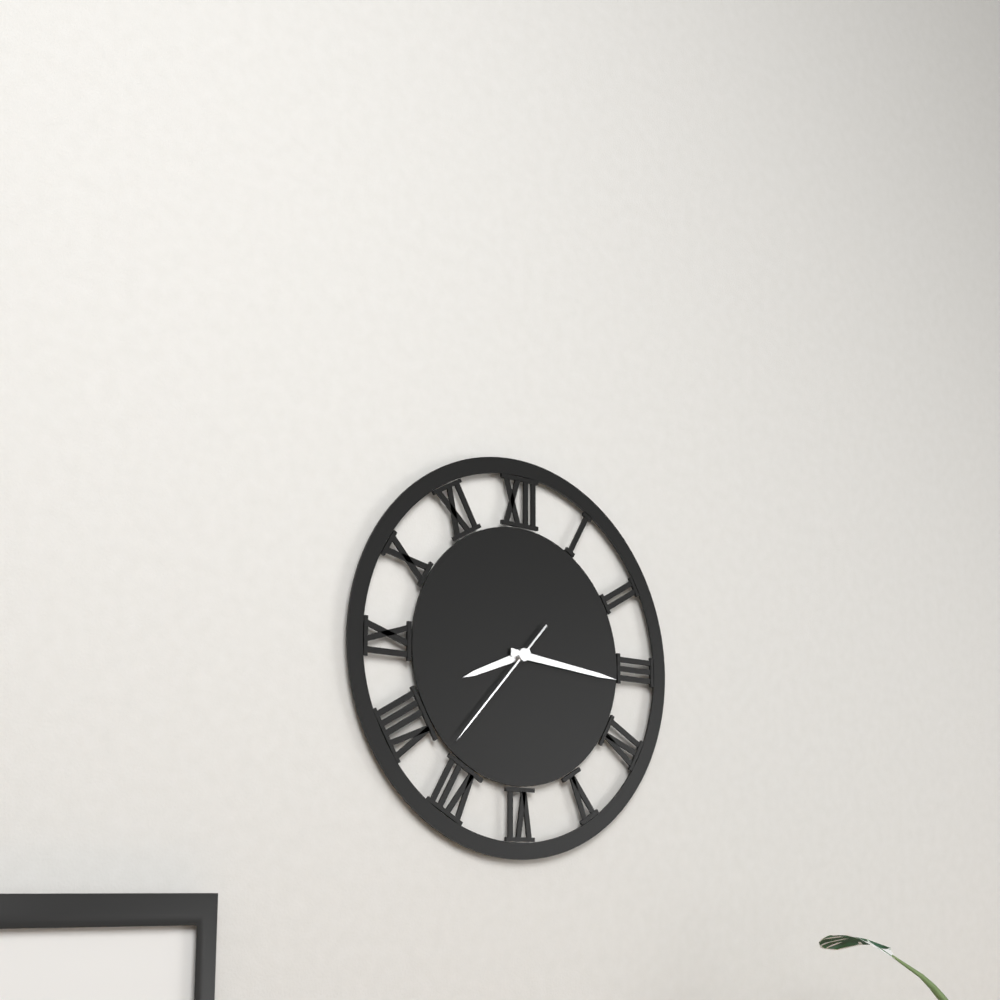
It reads 8h16m37s
